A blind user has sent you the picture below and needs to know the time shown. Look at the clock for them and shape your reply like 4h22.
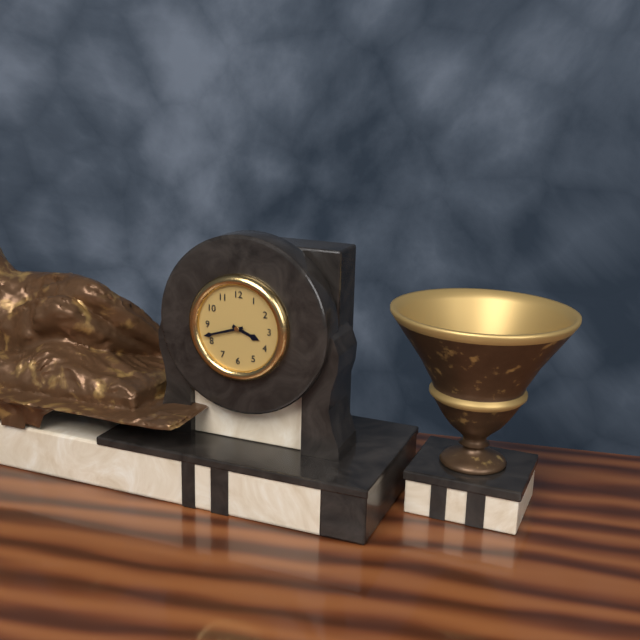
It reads 3h42
